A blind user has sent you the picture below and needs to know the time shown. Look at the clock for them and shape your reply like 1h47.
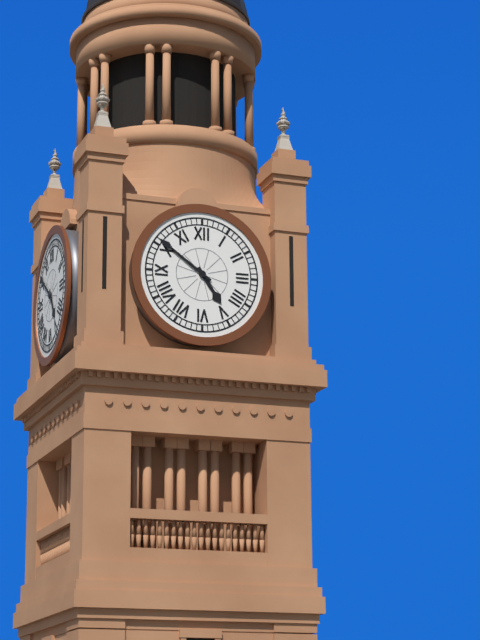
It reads 4h51
